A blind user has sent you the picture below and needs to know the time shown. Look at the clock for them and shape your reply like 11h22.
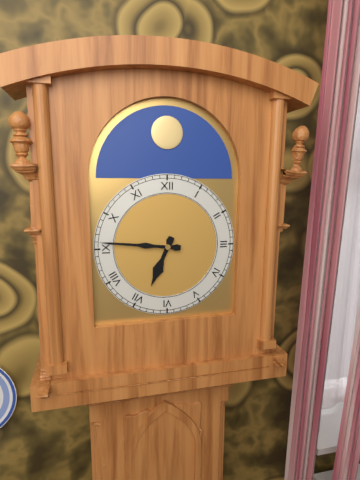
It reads 6h46
